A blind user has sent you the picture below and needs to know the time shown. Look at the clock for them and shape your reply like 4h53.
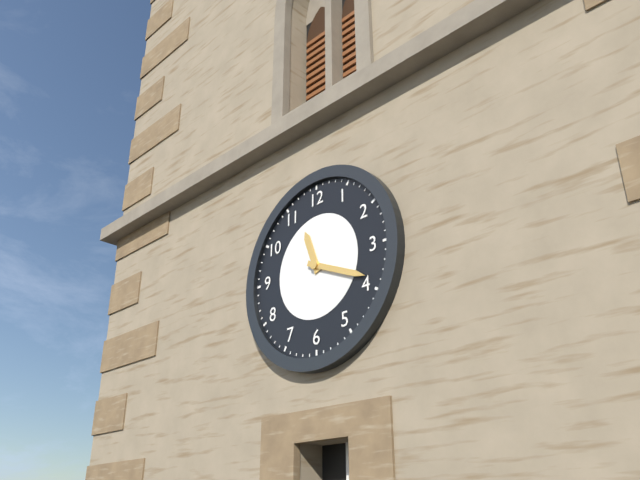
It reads 11h19
